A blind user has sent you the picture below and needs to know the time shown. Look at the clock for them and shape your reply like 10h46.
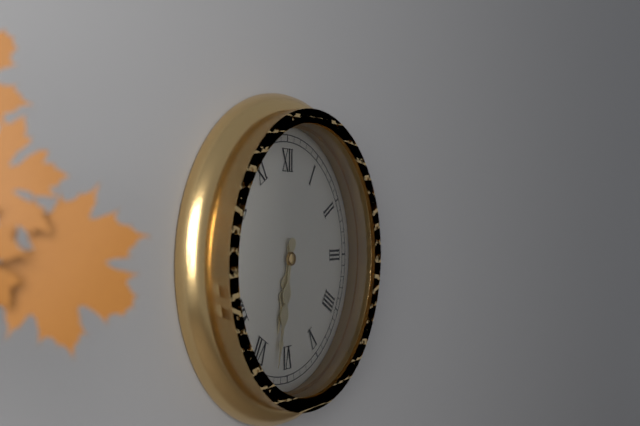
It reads 6h32
